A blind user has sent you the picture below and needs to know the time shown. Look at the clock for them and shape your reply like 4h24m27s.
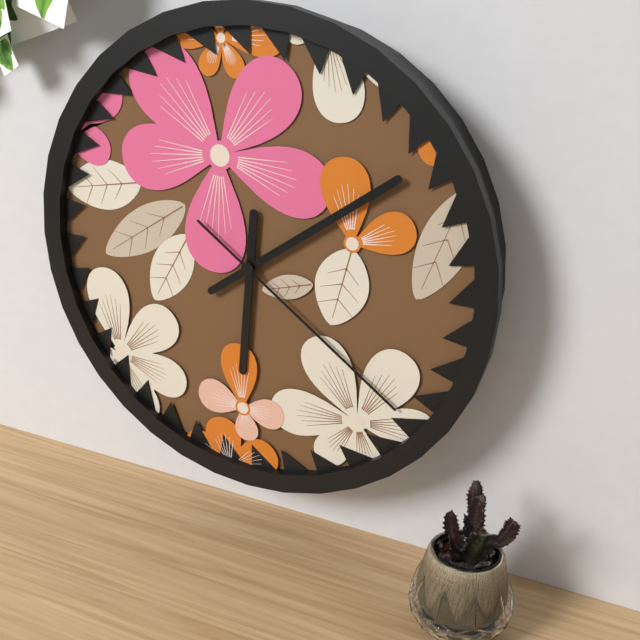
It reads 6h09m21s
